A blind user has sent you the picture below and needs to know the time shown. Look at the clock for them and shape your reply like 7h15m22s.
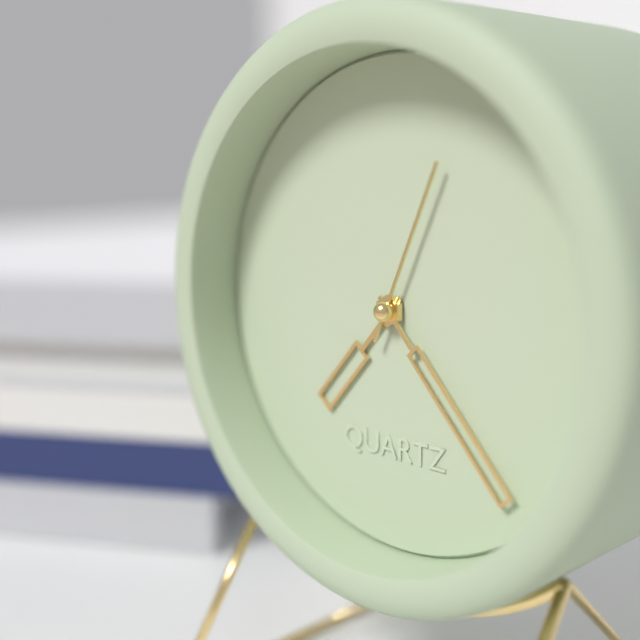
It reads 7h23m04s
